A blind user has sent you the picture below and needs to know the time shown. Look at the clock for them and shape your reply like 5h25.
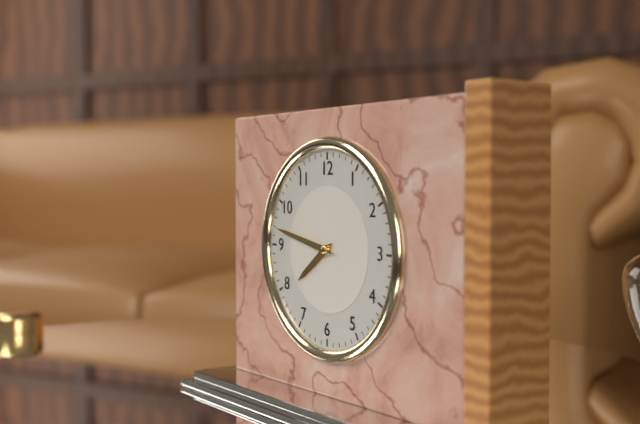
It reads 7h47
